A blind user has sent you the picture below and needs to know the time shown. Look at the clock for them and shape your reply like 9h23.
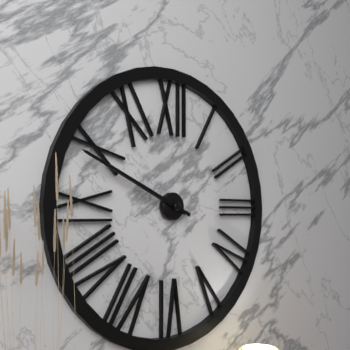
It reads 9h49
